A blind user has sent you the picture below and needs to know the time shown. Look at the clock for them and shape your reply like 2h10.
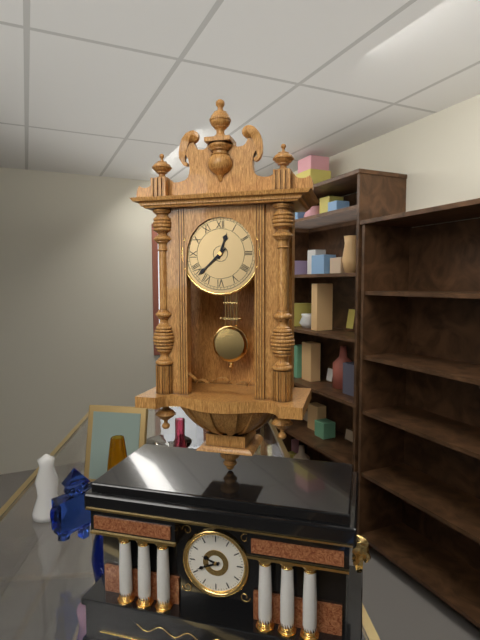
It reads 12h38
